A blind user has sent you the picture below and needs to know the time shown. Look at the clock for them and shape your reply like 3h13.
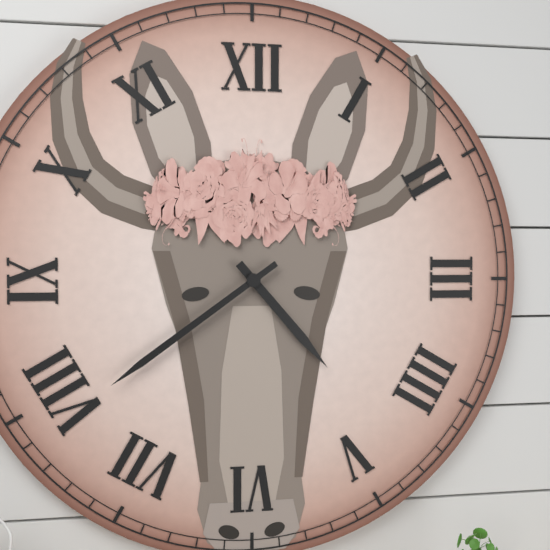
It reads 4h39
